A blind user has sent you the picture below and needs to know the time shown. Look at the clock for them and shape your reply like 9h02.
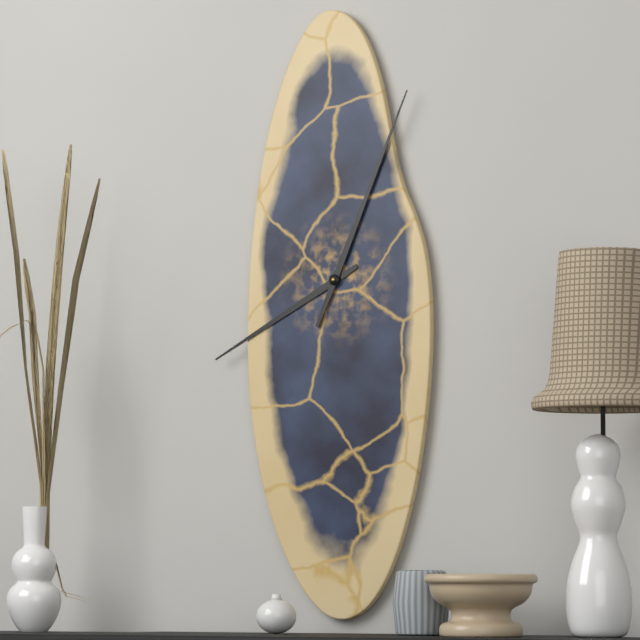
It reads 8h04
